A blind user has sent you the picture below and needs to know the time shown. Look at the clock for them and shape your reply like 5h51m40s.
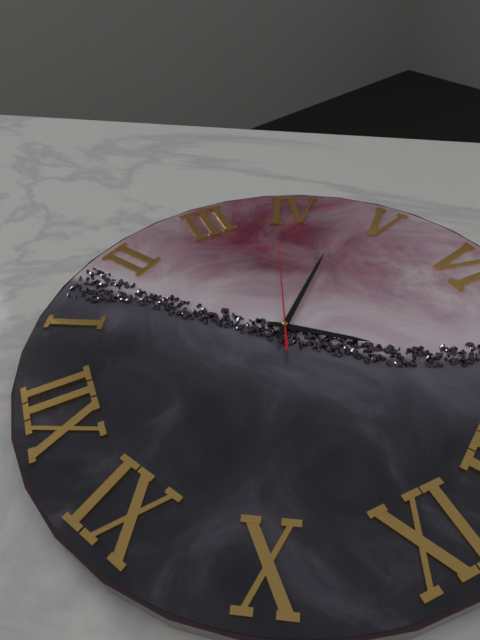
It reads 7h23m19s
